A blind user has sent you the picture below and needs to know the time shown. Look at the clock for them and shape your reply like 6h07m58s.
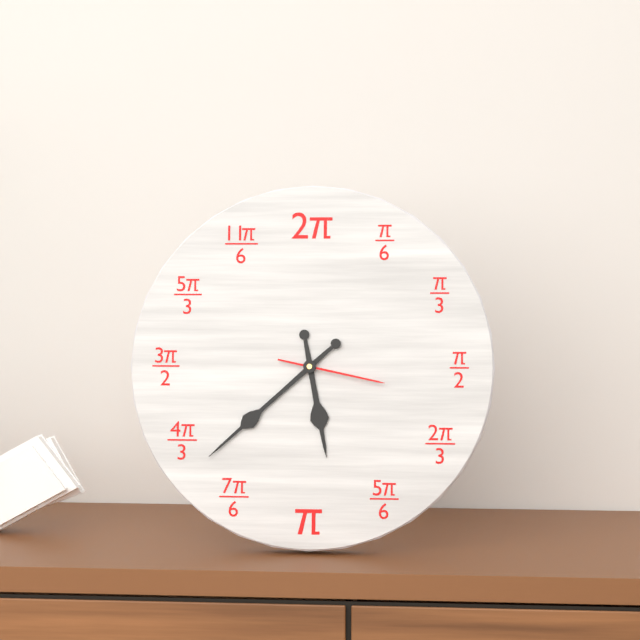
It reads 5h38m17s
